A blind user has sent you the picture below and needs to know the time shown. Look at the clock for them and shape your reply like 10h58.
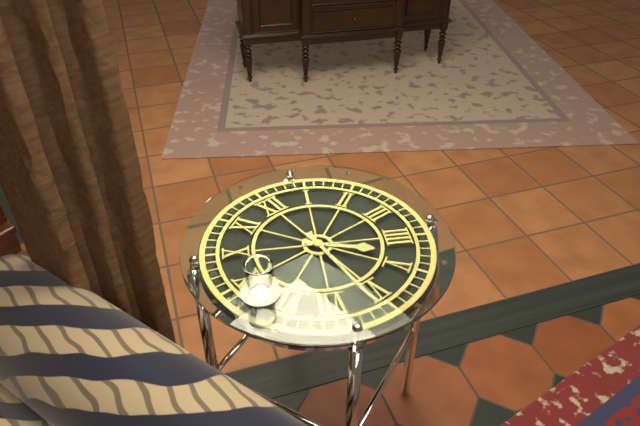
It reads 4h31
